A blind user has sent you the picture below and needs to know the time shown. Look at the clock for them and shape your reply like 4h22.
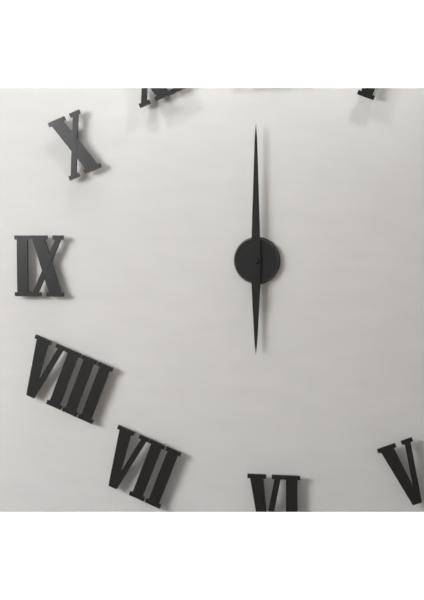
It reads 6h00
